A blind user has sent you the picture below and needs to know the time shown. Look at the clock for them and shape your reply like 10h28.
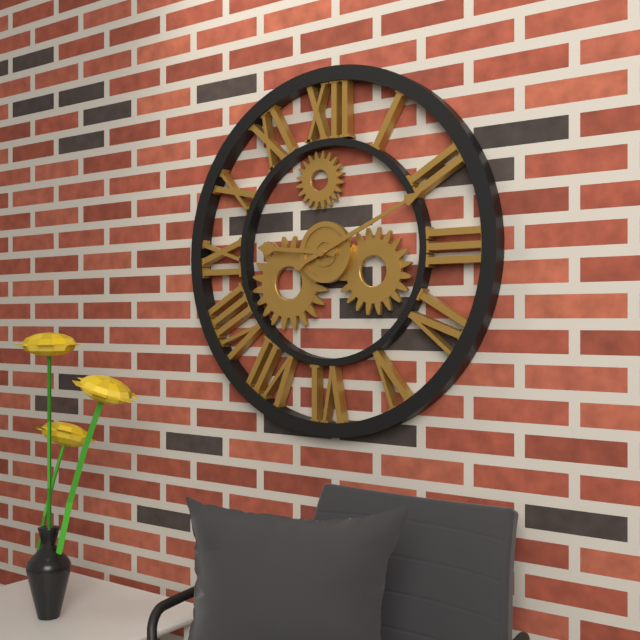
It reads 9h11
